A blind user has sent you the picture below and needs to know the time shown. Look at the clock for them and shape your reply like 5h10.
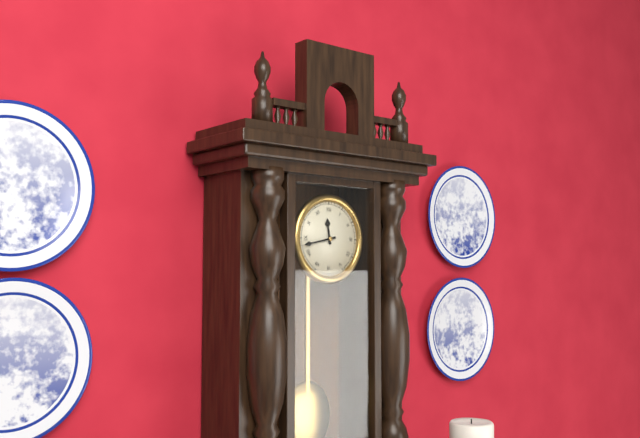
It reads 11h43
